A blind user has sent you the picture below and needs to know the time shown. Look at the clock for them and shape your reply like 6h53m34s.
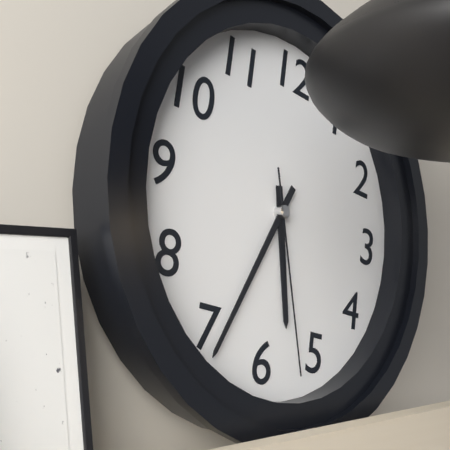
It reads 5h34m27s
